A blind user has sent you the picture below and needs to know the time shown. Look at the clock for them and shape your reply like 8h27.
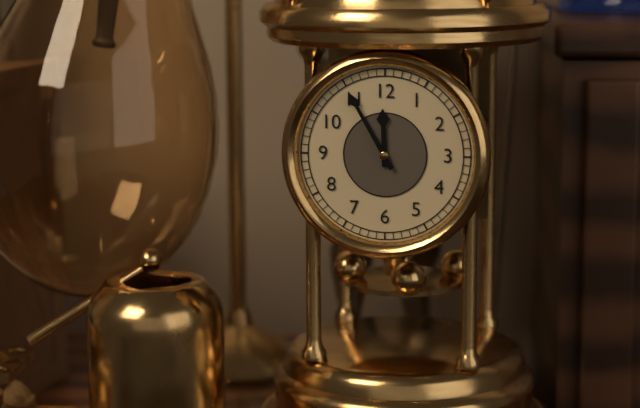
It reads 11h55
